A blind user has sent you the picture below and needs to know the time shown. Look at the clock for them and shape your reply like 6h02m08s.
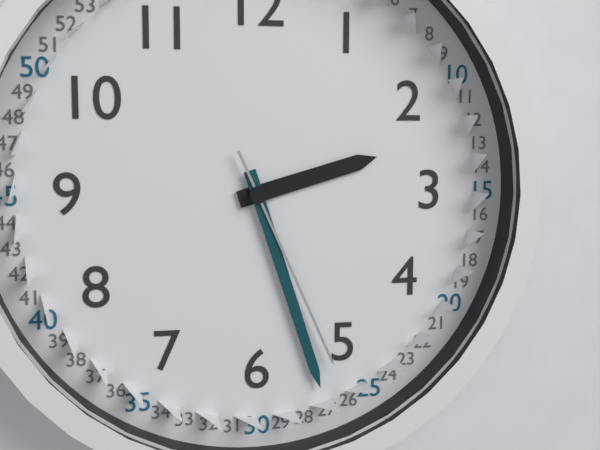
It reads 2h27m26s
